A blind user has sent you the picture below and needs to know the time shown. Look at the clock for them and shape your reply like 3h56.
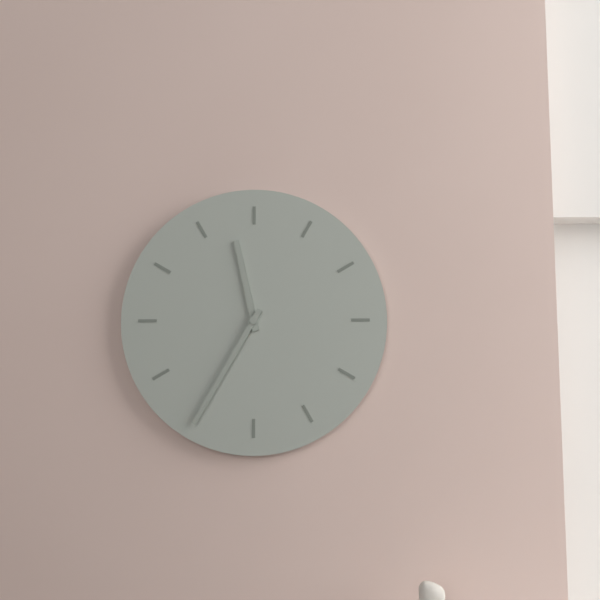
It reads 11h35
